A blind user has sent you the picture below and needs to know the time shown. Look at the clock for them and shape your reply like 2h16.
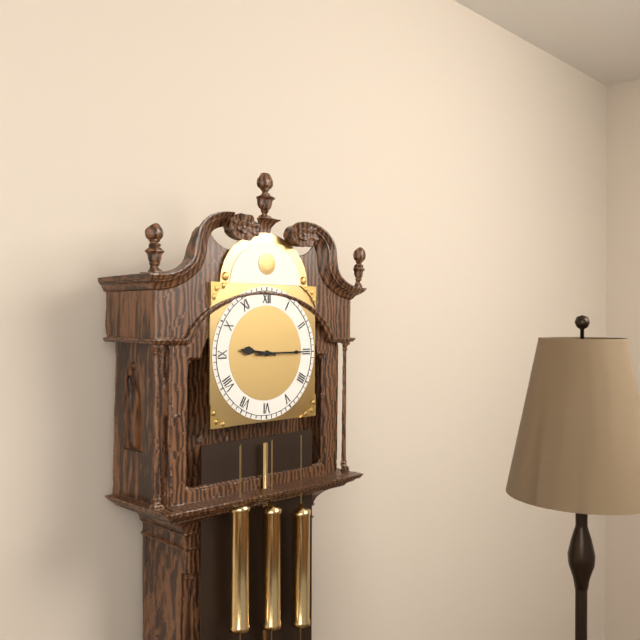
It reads 9h15
